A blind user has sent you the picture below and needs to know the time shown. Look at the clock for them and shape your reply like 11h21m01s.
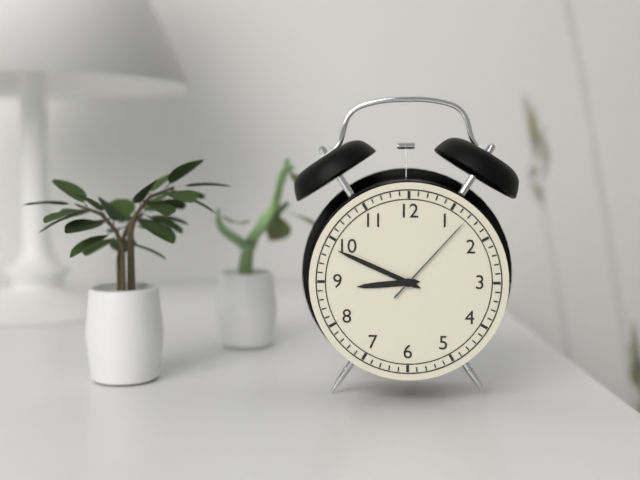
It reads 8h49m07s
